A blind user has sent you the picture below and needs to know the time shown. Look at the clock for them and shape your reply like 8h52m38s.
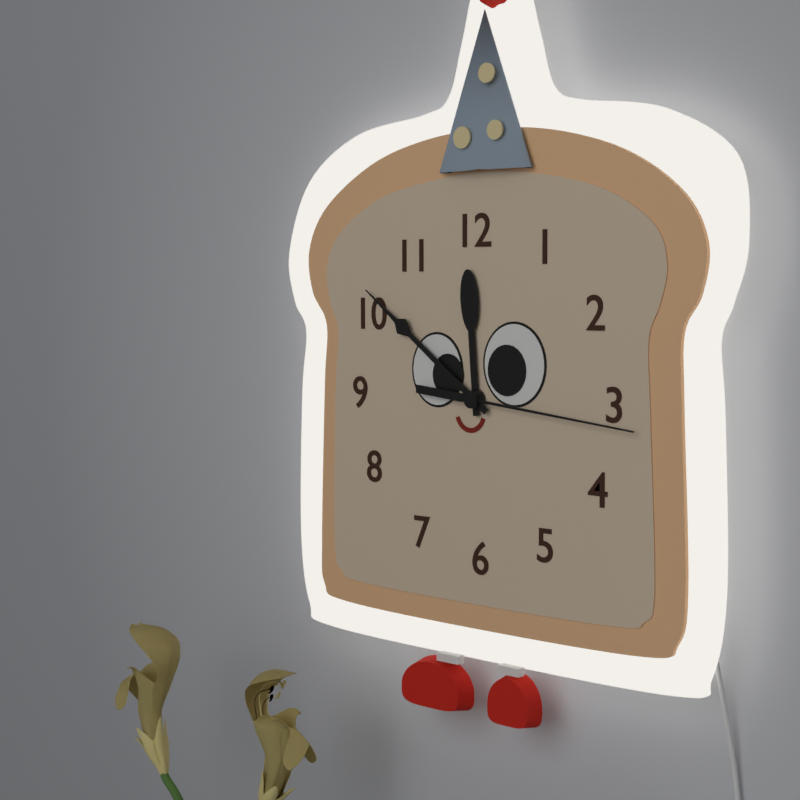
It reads 11h51m16s
